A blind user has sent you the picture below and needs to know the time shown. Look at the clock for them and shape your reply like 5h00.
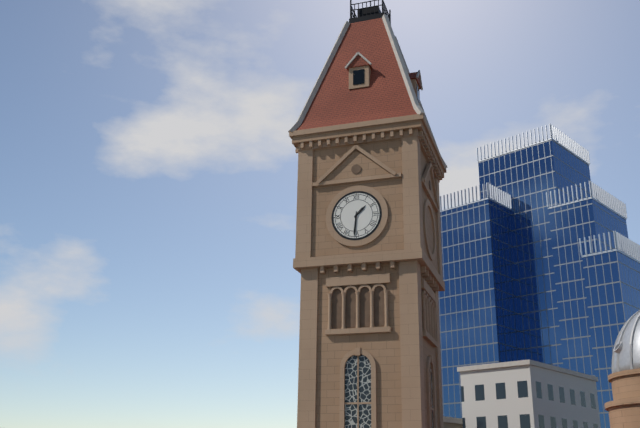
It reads 1h31
